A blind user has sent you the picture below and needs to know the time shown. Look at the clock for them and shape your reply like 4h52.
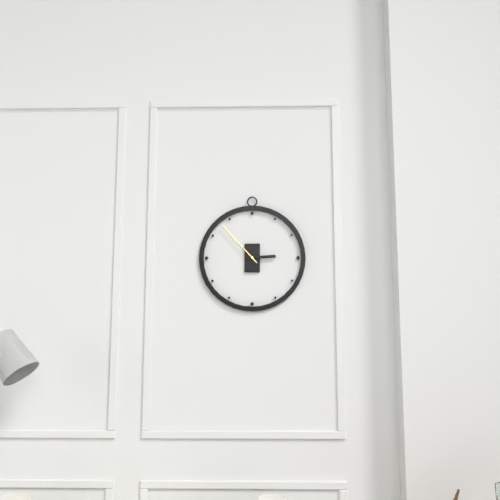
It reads 2h53
